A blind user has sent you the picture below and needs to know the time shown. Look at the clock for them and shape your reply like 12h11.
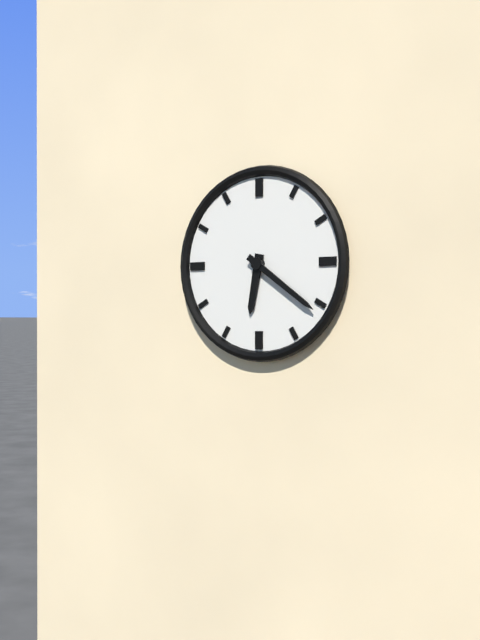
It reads 6h21
